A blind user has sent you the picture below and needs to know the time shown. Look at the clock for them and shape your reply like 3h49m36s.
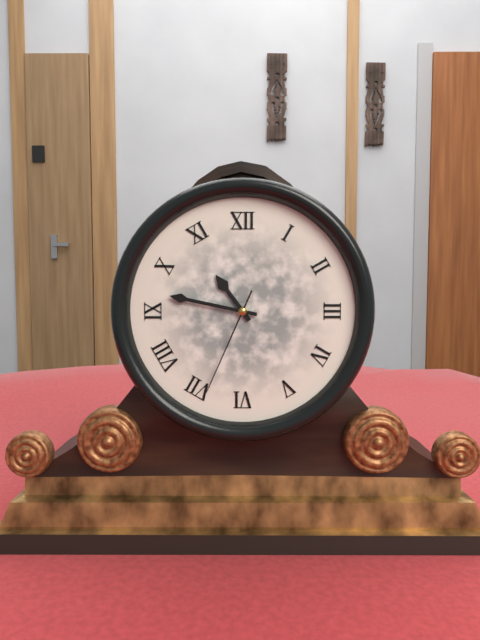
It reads 10h47m34s
